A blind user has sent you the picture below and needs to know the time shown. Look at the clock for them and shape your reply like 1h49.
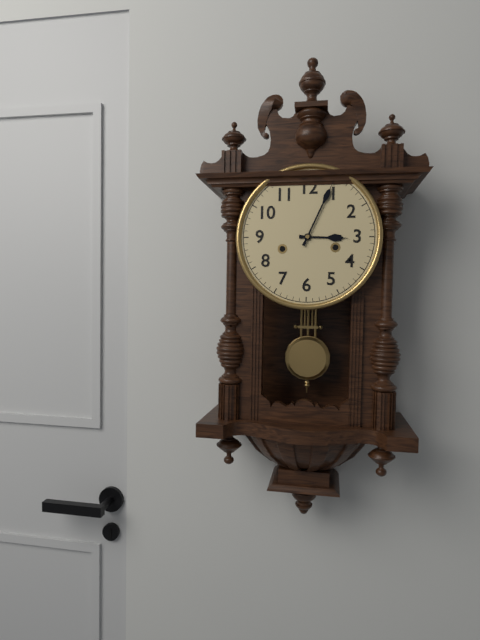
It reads 3h04
